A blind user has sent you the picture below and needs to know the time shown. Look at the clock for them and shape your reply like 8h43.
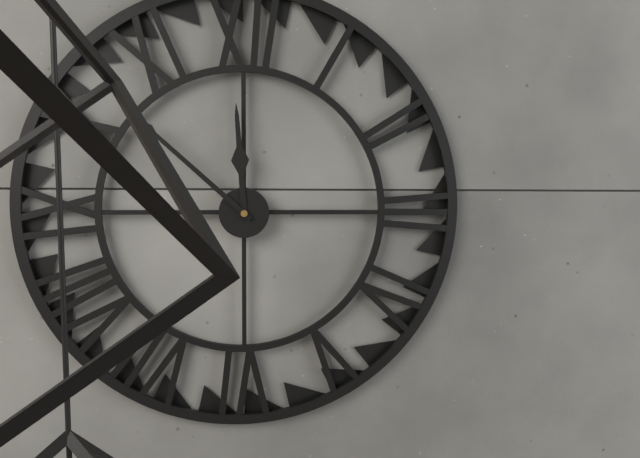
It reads 11h52
